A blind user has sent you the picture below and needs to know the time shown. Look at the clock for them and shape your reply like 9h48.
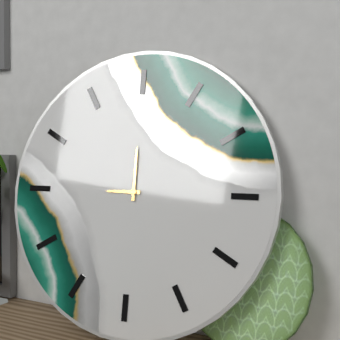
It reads 9h00
